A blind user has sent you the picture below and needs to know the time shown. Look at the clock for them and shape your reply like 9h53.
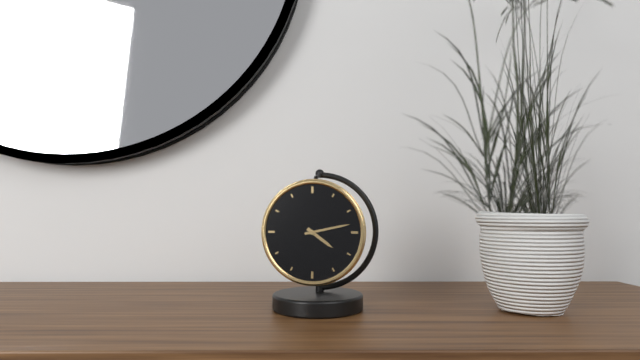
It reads 4h13
